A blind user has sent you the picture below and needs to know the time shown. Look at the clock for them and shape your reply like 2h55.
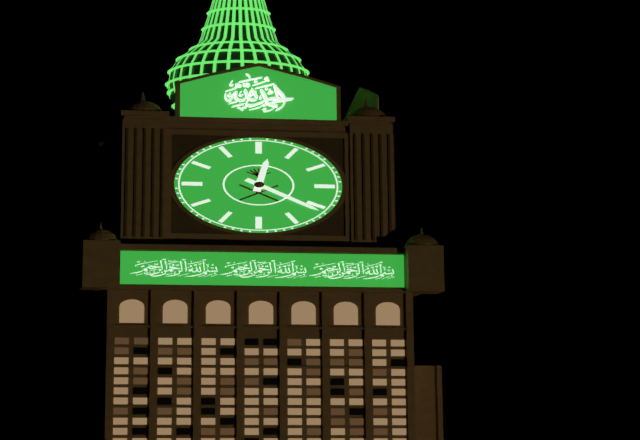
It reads 12h21
